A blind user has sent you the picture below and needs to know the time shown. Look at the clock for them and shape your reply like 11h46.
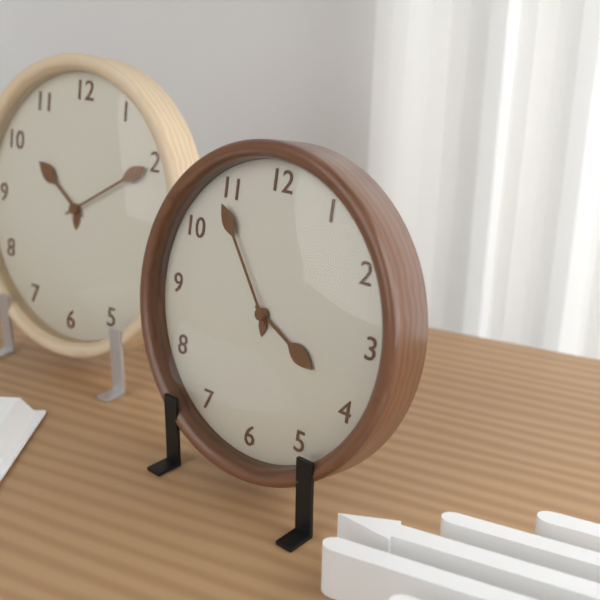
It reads 3h54
